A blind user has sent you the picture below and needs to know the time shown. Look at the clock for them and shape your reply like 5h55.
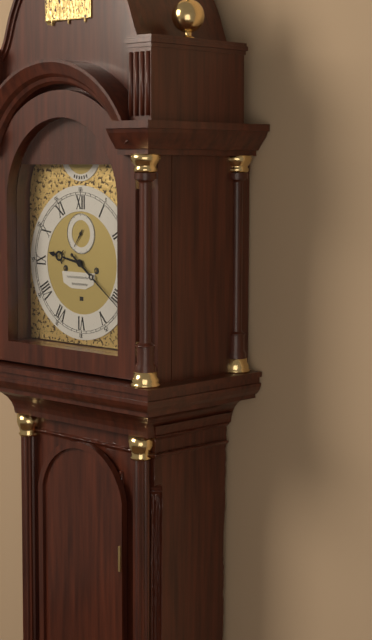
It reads 9h21
